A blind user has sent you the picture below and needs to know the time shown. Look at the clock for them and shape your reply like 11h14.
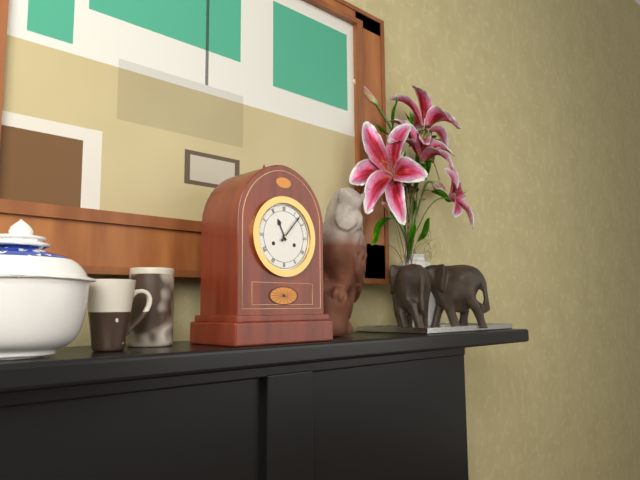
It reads 11h07
